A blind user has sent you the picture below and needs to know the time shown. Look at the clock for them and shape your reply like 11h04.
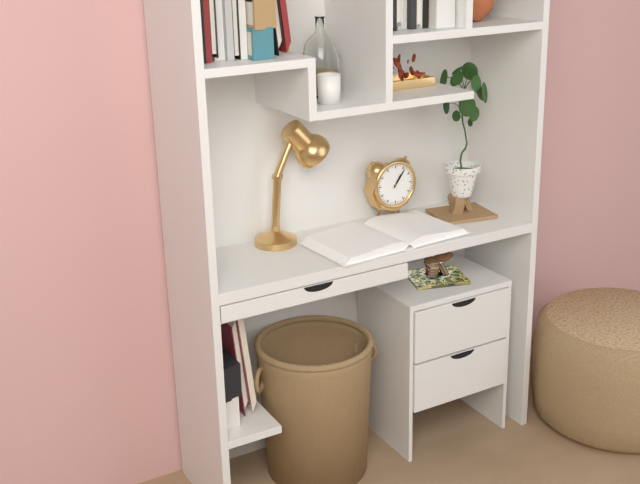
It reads 1h06
